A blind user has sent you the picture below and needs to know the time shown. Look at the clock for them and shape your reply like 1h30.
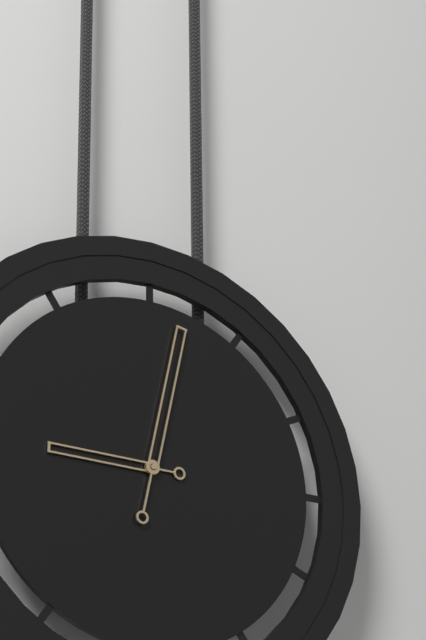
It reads 9h02
